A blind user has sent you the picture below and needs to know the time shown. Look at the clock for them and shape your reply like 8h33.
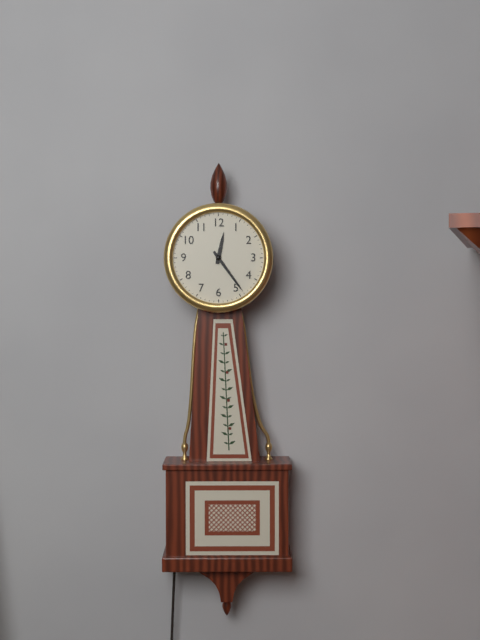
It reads 12h24
